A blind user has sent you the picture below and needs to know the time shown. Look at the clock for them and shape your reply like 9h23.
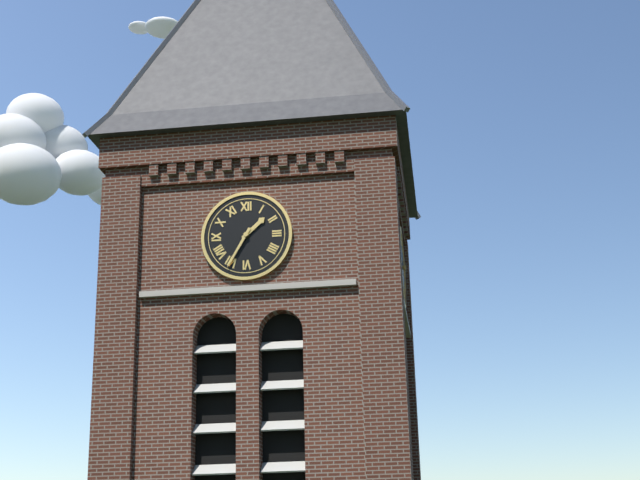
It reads 1h35
